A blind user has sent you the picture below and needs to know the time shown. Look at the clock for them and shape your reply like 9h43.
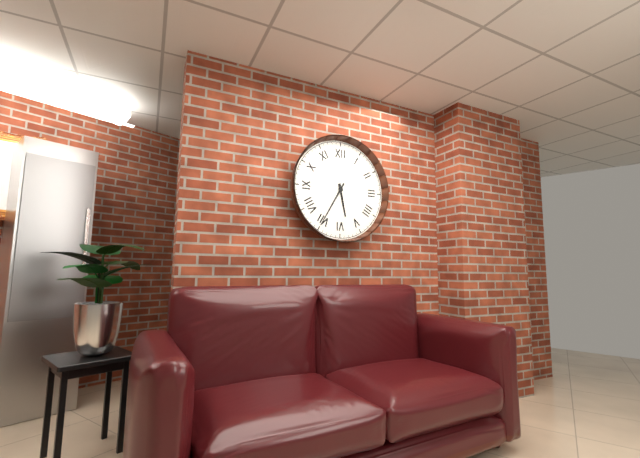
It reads 5h35
